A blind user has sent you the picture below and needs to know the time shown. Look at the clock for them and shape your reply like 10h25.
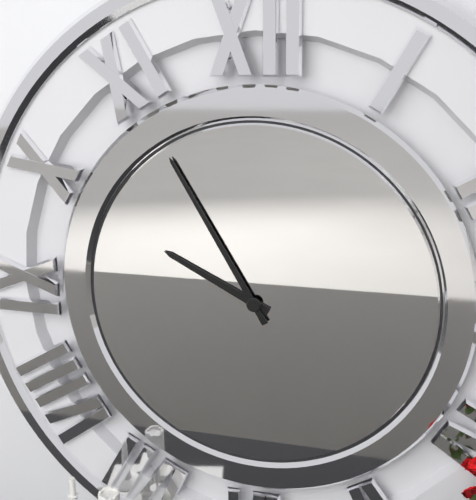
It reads 9h55
